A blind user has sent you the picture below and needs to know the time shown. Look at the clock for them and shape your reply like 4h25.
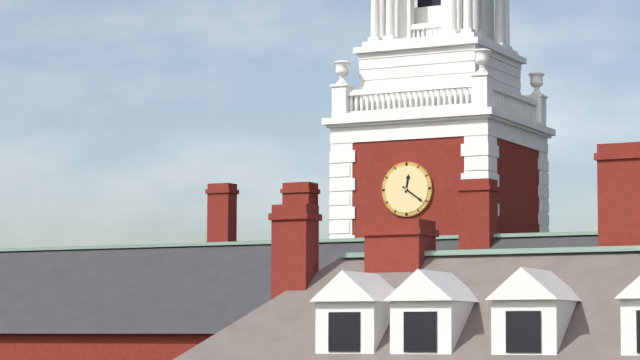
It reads 12h21
